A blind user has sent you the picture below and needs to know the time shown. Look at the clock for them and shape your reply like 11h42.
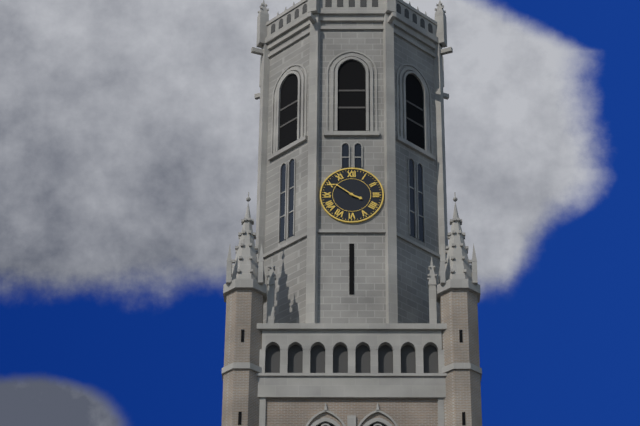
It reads 3h51
